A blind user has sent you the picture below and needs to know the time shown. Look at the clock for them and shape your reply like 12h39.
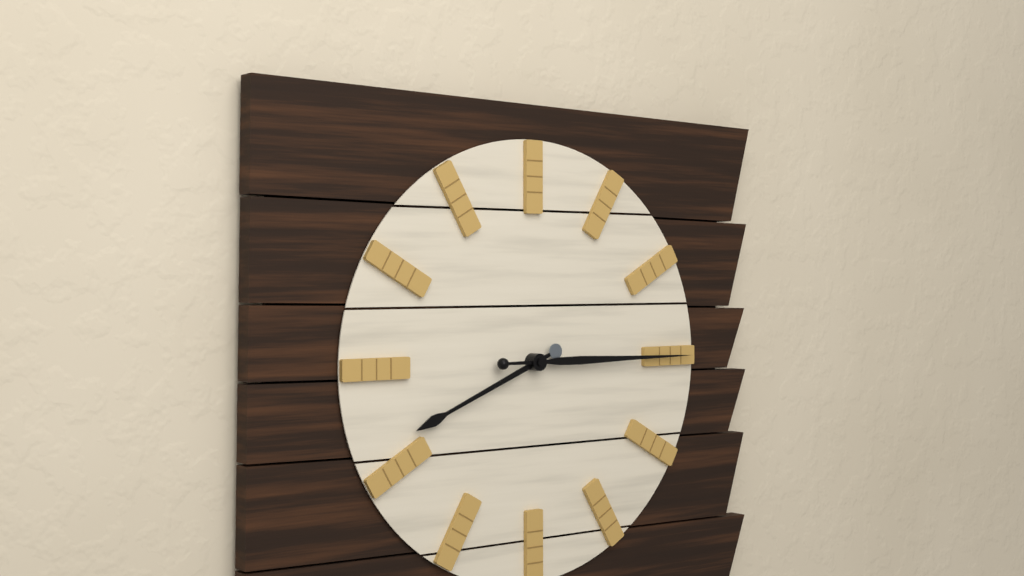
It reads 8h15
